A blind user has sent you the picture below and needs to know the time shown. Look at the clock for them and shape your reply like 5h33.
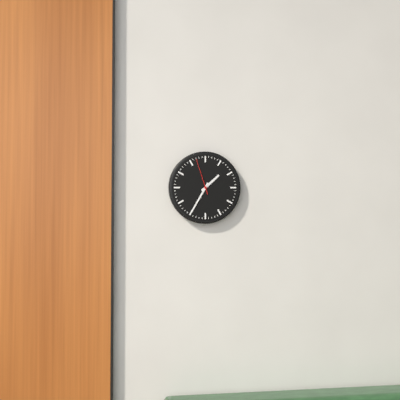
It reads 1h35
